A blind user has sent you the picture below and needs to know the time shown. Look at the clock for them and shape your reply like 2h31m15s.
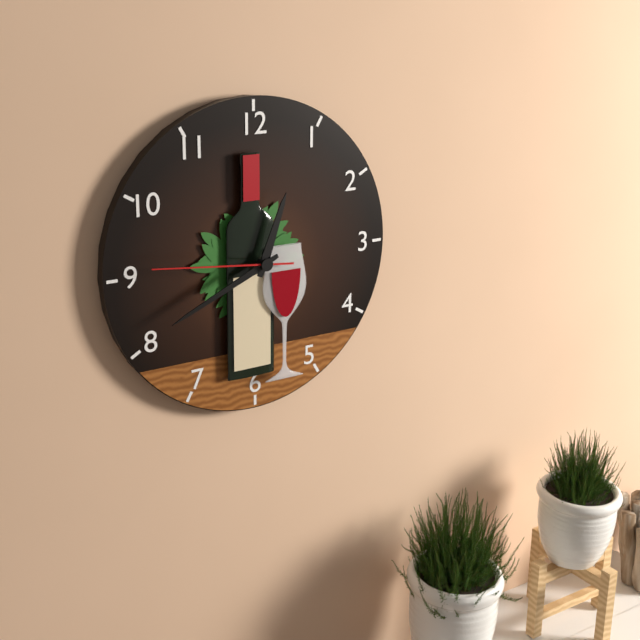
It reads 12h41m46s
